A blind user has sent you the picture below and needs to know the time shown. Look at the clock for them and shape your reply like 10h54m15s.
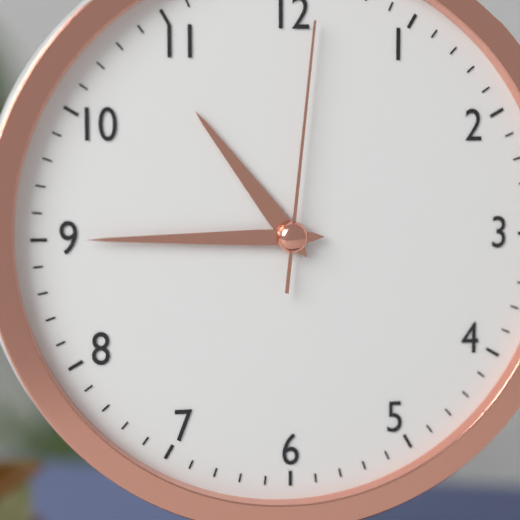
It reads 10h45m01s
